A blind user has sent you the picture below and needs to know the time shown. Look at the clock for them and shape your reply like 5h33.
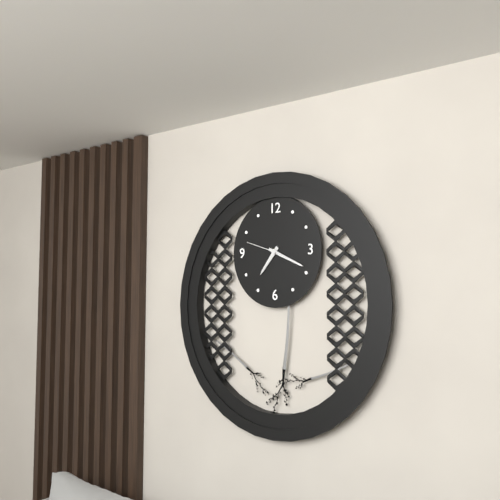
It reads 7h19
